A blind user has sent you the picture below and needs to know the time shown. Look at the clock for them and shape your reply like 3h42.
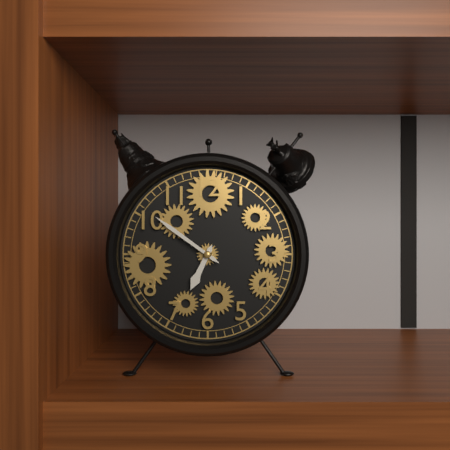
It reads 6h51
